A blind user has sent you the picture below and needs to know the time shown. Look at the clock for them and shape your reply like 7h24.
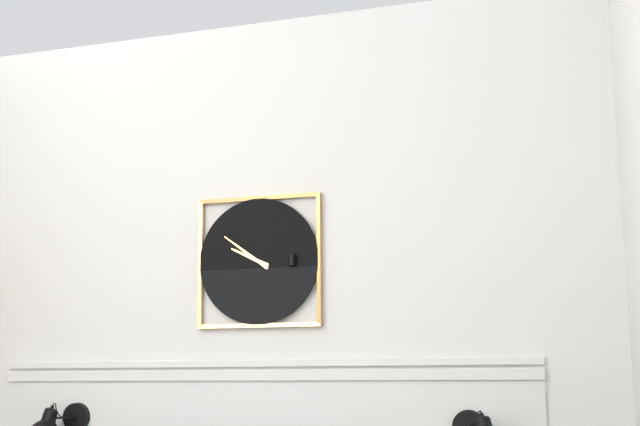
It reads 9h51
